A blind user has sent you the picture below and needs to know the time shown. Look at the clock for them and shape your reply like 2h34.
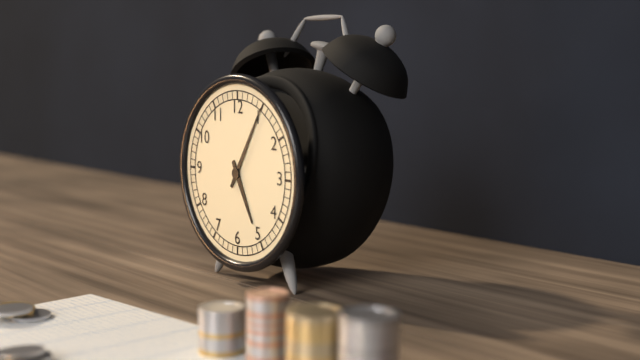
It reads 5h05
